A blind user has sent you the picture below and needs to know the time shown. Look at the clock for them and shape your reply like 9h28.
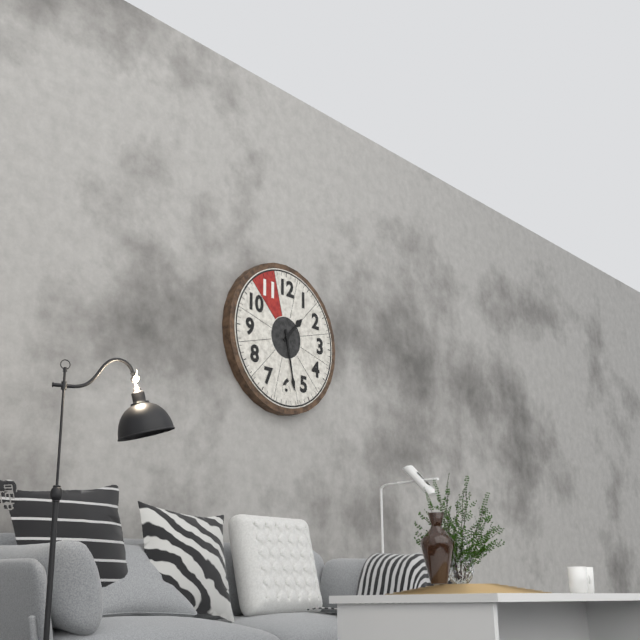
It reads 1h28
